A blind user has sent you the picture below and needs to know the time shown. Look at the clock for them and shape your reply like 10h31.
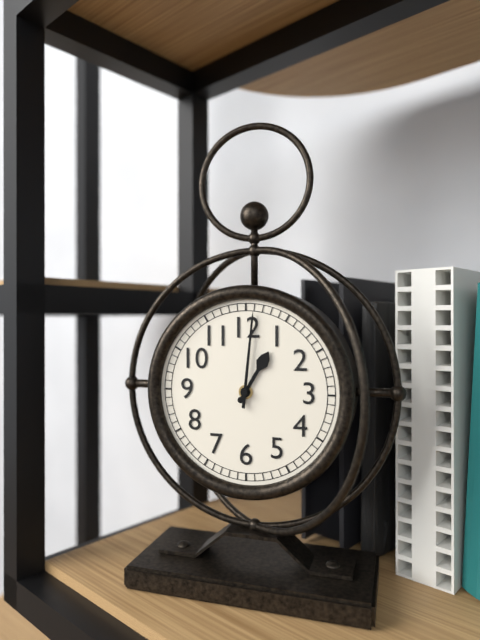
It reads 1h01
